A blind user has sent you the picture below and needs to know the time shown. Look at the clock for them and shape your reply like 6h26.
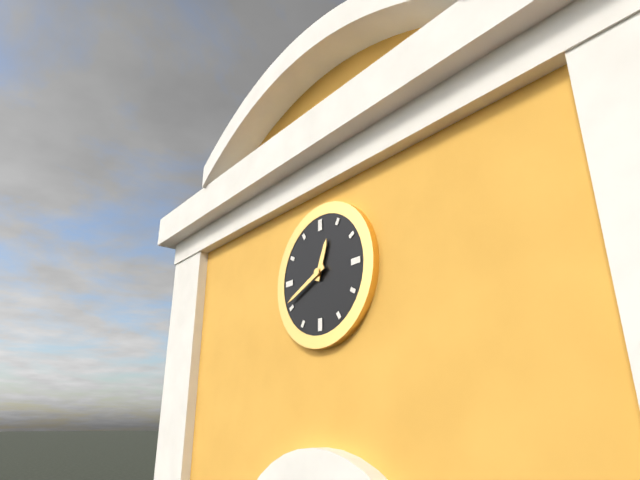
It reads 12h41
